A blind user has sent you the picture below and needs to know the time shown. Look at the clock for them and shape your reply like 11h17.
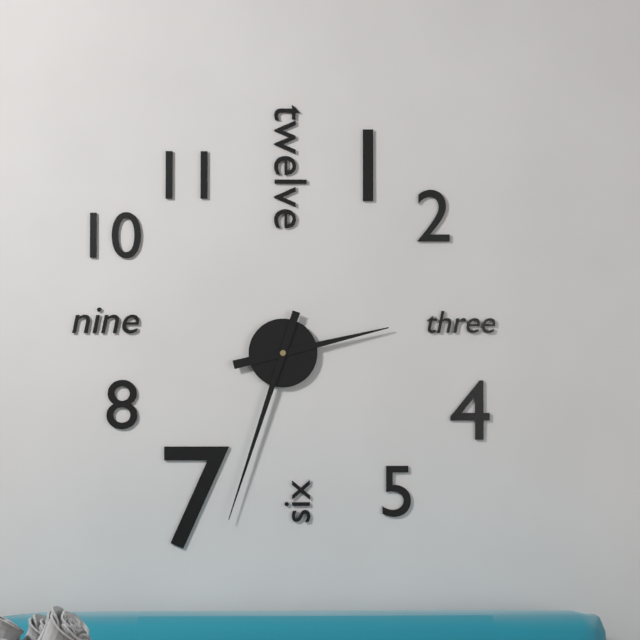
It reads 2h33
